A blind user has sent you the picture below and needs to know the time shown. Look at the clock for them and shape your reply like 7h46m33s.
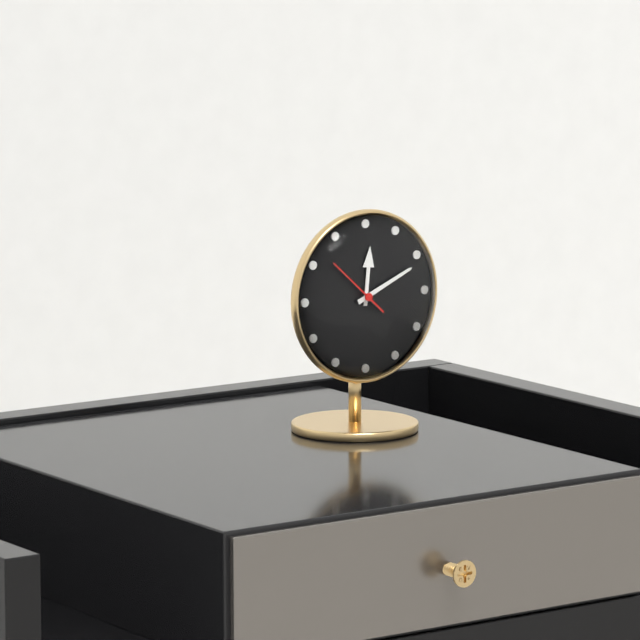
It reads 12h11m52s
